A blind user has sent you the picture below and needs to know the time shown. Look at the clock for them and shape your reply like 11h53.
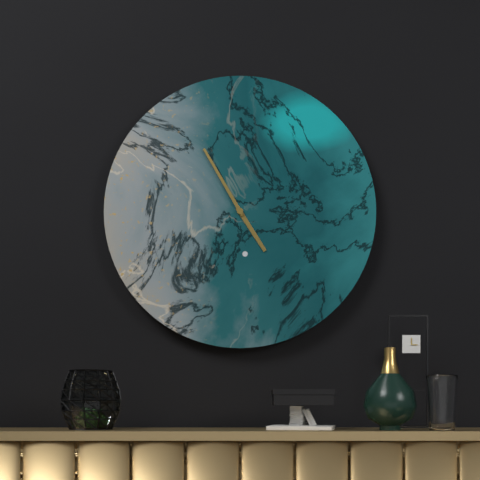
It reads 4h55
